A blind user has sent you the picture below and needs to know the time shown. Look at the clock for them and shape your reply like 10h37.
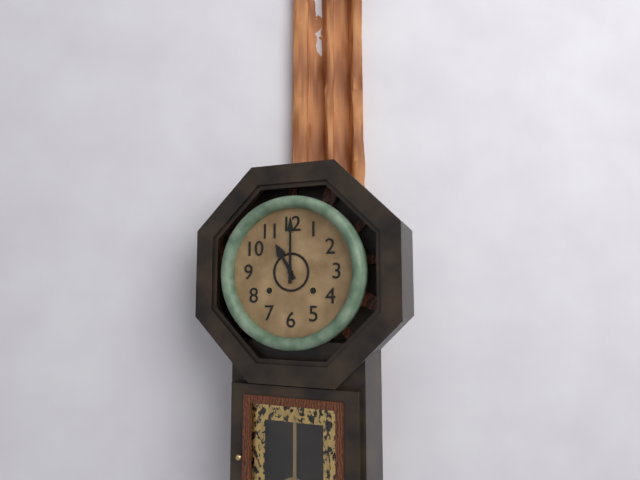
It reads 11h00
